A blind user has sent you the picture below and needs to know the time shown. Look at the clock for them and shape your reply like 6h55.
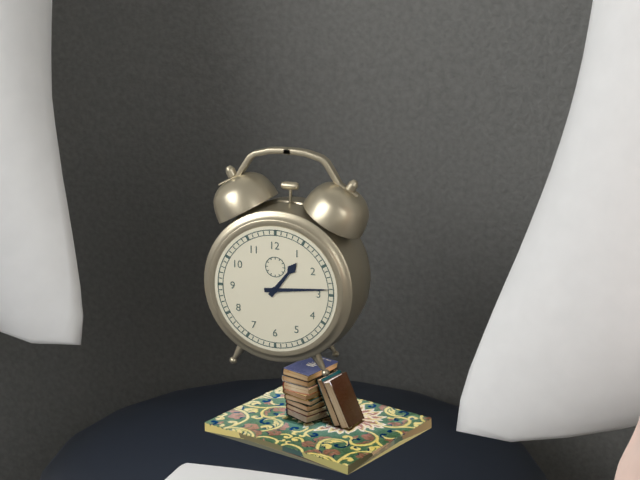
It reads 1h14
